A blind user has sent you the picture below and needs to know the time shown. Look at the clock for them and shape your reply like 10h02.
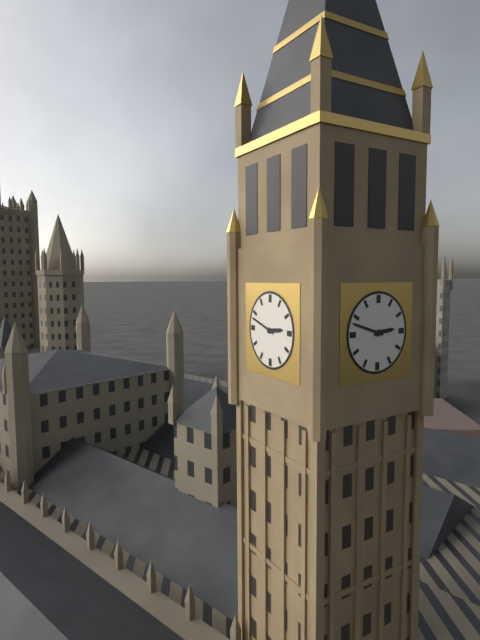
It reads 2h48
